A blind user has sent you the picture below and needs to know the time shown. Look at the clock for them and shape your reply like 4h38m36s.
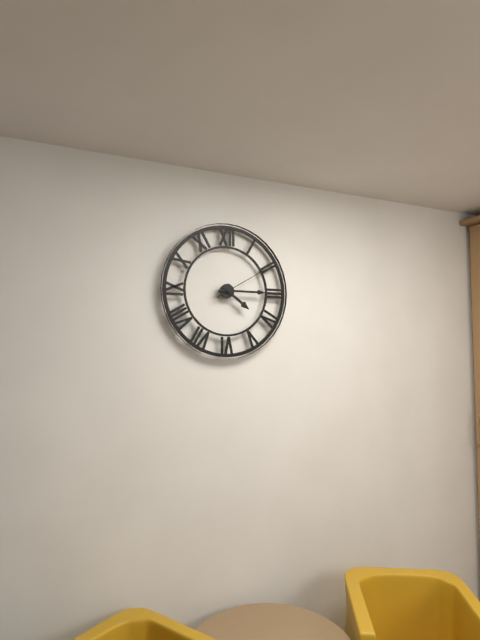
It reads 4h15m10s
